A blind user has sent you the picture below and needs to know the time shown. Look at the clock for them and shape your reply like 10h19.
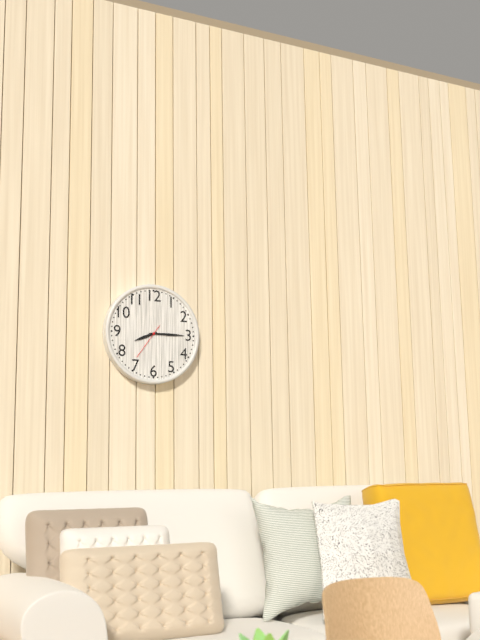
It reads 8h15
